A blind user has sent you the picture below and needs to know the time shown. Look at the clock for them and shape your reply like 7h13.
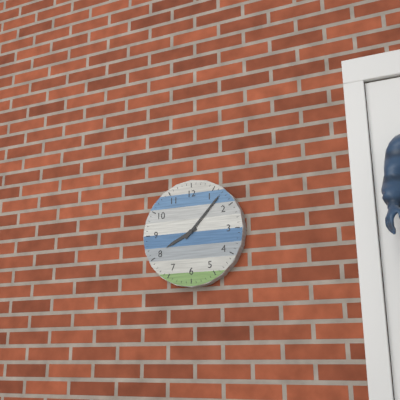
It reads 8h07
